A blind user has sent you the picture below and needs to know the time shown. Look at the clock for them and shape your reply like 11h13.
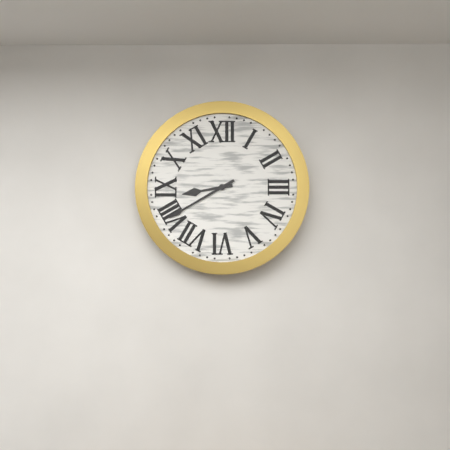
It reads 8h40
